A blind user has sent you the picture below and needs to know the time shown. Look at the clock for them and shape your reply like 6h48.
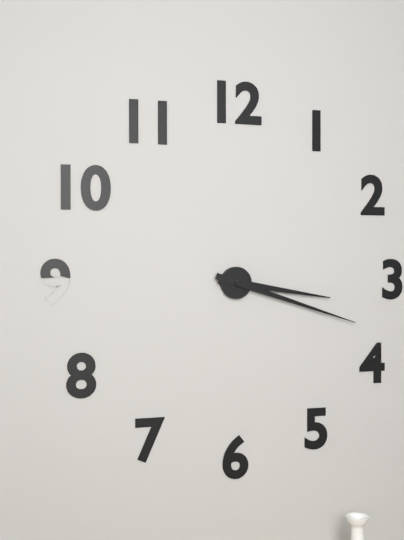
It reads 3h18
